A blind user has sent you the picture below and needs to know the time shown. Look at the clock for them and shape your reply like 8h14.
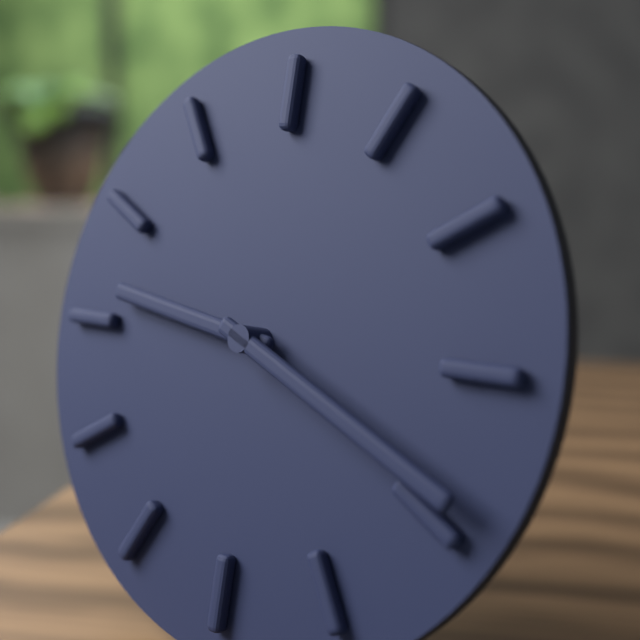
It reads 9h19
